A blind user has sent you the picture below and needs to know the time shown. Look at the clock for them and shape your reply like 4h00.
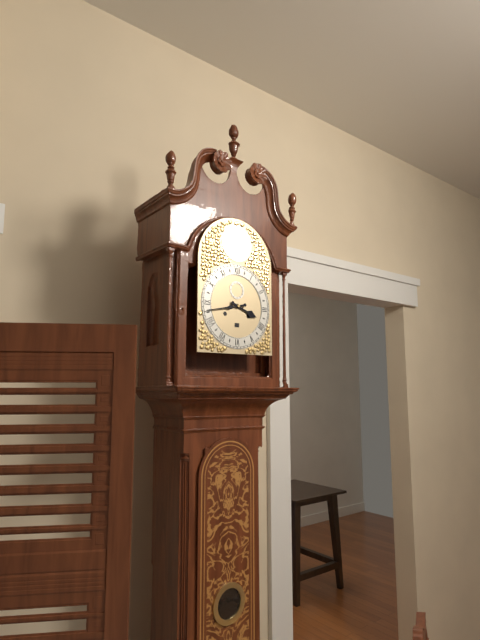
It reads 3h43
